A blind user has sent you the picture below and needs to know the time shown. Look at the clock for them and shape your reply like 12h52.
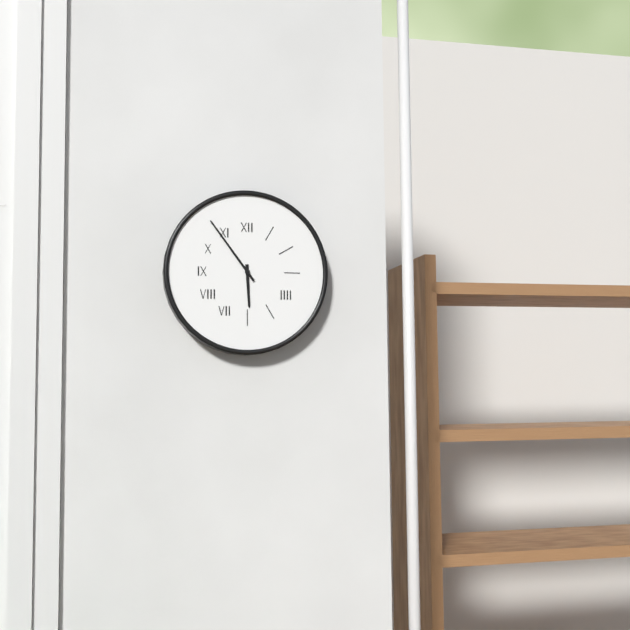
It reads 5h54
